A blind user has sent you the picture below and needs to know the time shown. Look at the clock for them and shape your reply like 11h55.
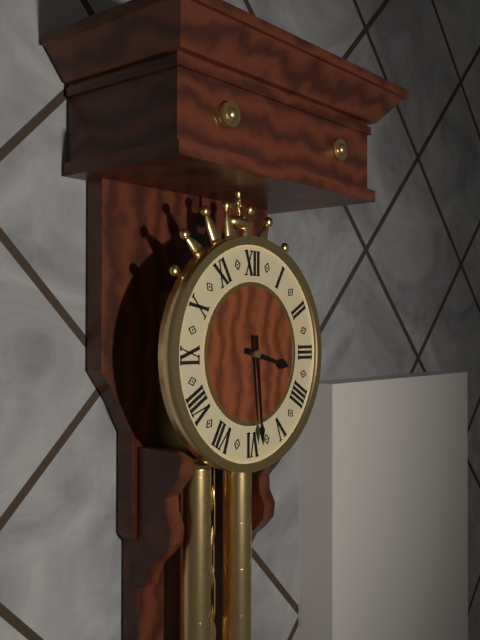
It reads 3h29
